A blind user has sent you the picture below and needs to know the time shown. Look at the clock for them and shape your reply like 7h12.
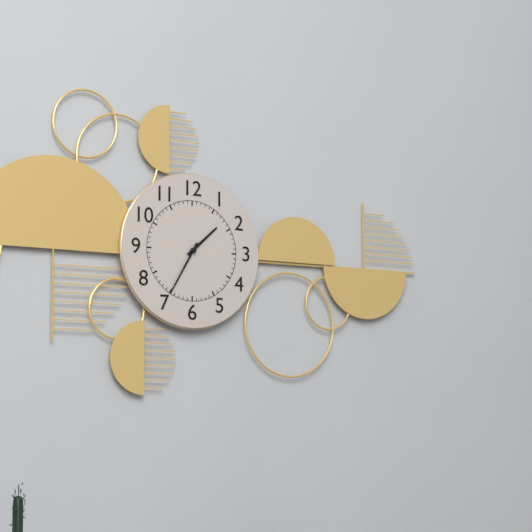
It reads 1h35
